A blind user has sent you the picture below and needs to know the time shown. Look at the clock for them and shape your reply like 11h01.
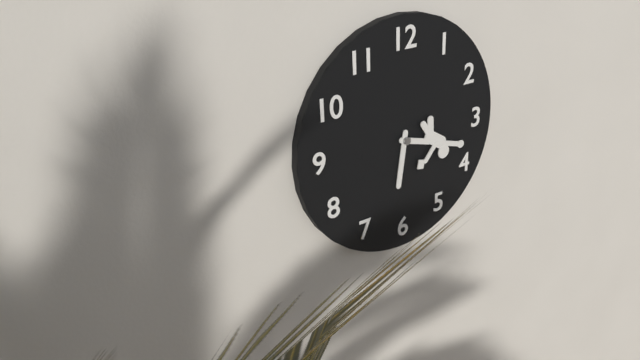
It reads 6h17
